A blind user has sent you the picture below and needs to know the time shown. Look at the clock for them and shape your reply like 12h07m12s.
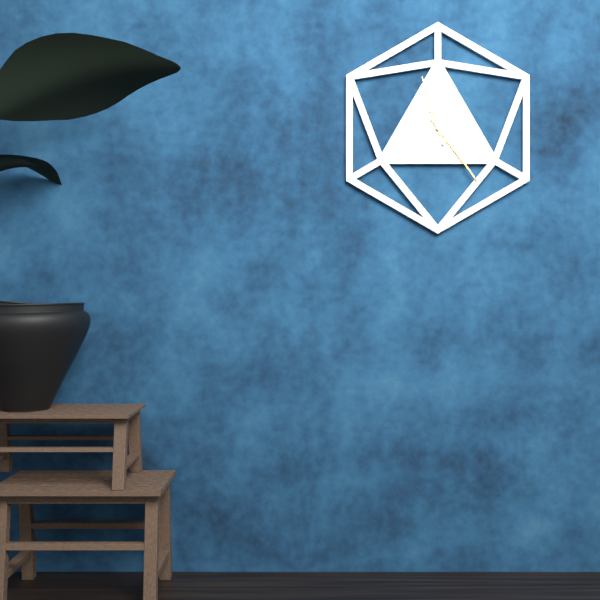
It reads 11h24m57s
